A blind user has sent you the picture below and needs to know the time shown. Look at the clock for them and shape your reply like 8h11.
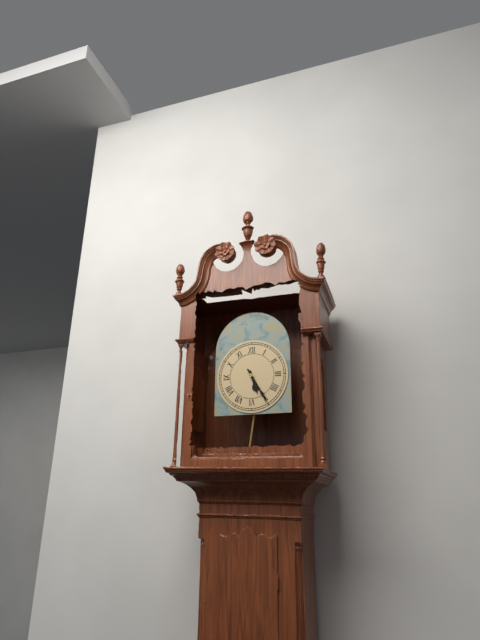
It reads 5h25
